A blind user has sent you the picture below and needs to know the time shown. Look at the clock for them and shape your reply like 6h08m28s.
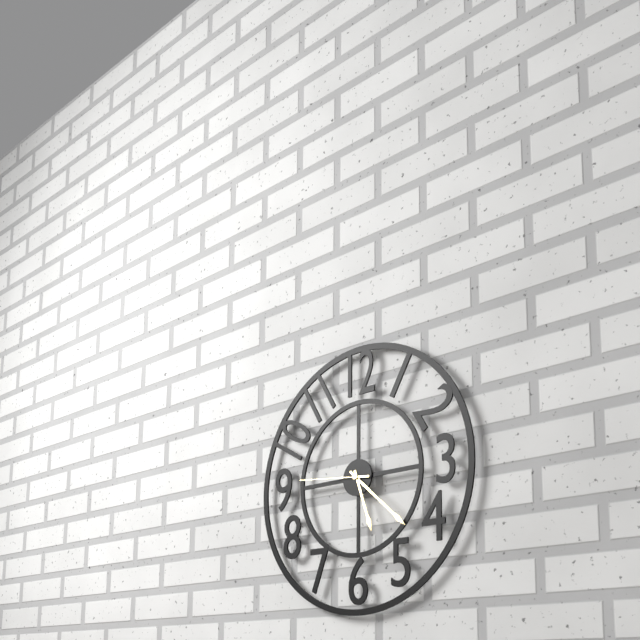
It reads 5h22m46s
